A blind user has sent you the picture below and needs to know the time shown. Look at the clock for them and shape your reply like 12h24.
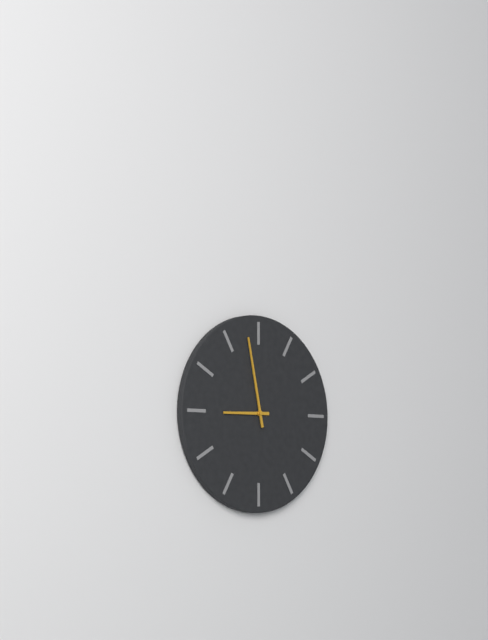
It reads 8h58
